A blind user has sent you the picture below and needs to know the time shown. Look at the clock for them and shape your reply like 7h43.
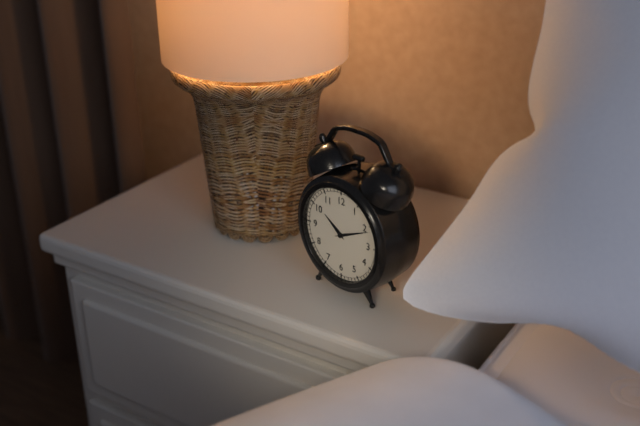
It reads 10h11
